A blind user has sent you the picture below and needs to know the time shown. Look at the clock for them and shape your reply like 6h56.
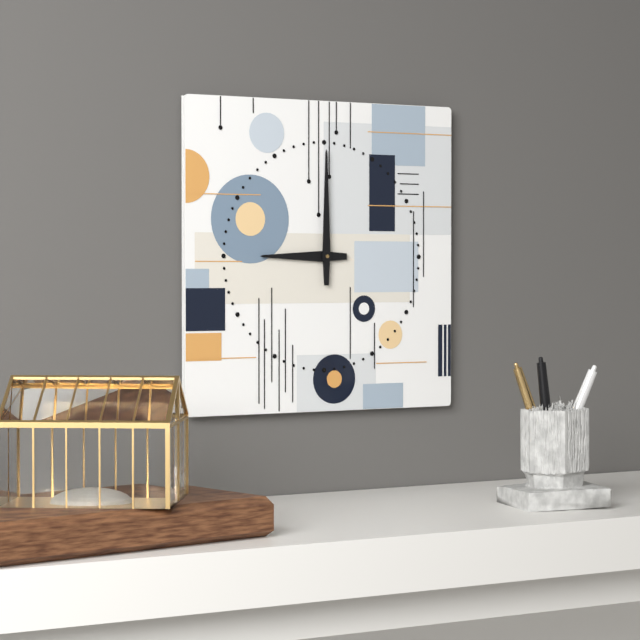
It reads 9h00
